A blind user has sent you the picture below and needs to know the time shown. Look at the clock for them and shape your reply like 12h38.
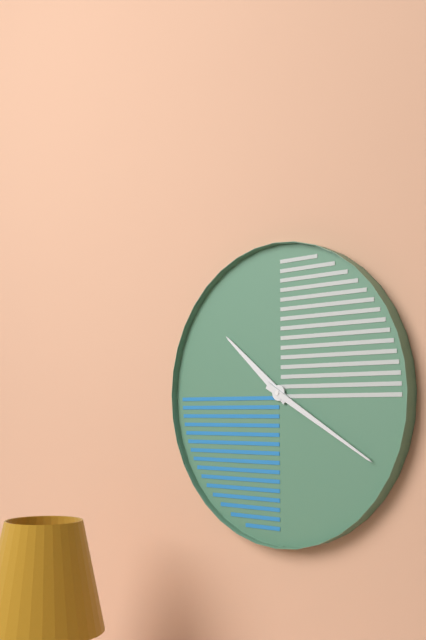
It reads 10h20
